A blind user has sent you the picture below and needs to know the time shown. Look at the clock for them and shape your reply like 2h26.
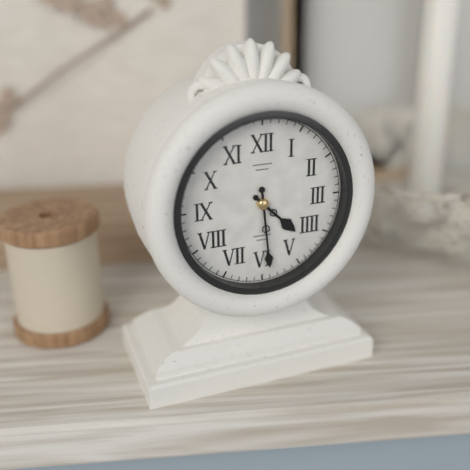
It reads 4h29
